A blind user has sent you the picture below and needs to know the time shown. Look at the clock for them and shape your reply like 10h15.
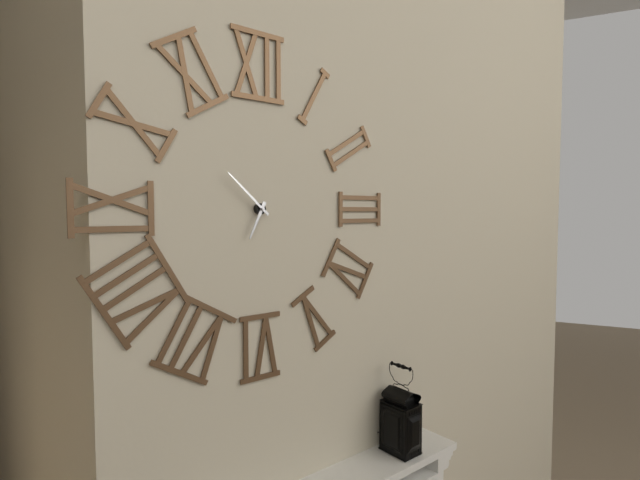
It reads 6h52
